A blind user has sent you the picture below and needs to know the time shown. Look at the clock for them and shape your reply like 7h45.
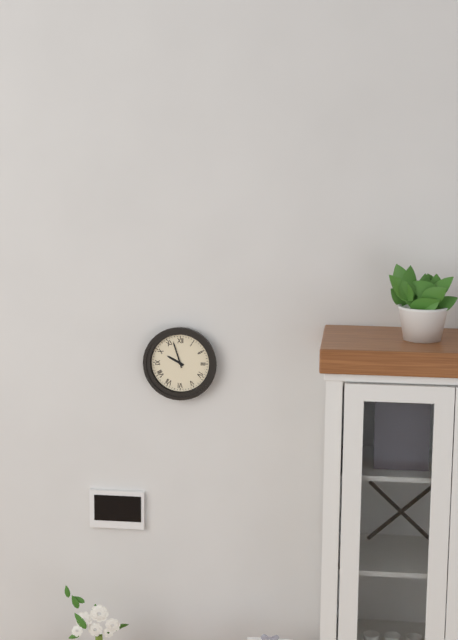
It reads 9h57
